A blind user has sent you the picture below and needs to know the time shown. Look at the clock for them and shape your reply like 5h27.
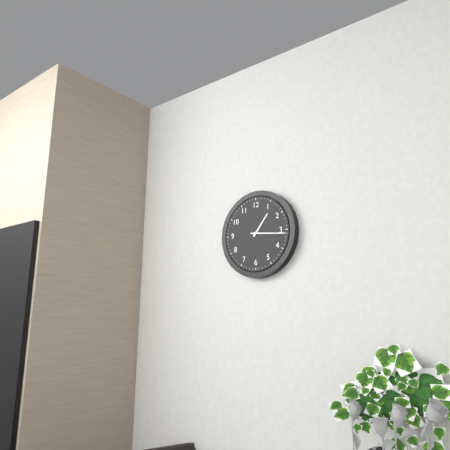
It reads 1h16
